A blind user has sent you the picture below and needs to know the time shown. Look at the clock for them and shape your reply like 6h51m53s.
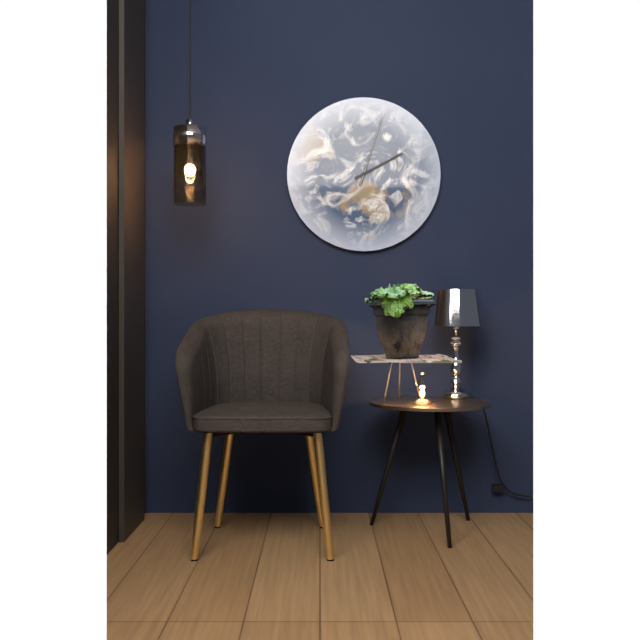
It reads 2h03m03s
